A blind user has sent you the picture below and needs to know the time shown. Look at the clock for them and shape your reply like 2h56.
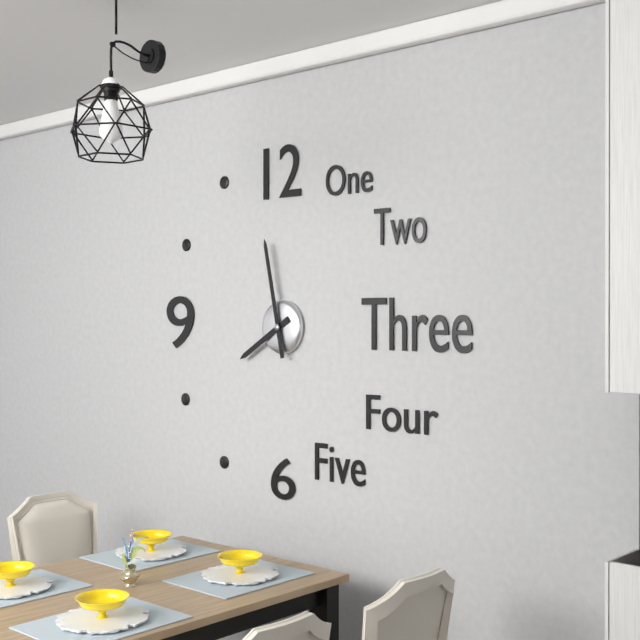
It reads 7h58
